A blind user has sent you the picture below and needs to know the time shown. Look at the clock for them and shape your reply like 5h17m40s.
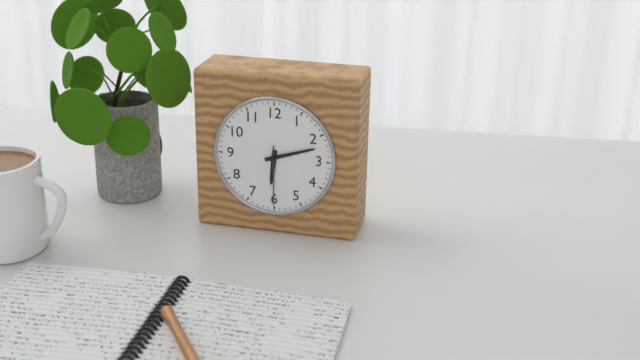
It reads 6h12m30s
